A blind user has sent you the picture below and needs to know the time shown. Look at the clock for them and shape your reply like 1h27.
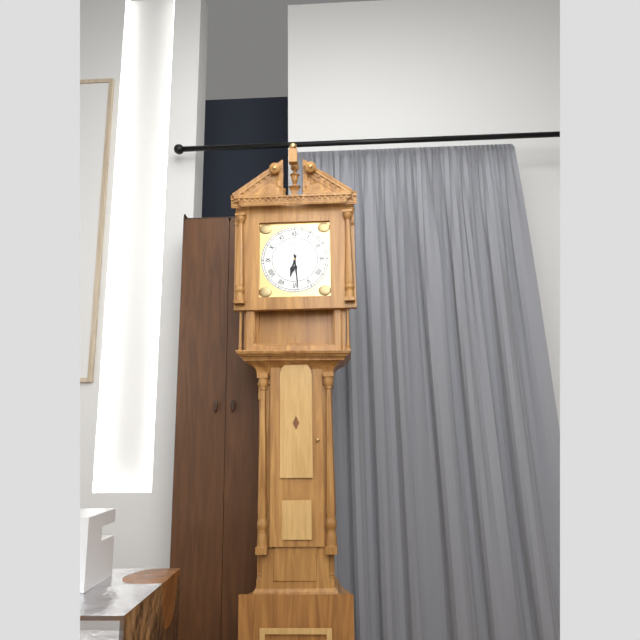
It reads 6h29
